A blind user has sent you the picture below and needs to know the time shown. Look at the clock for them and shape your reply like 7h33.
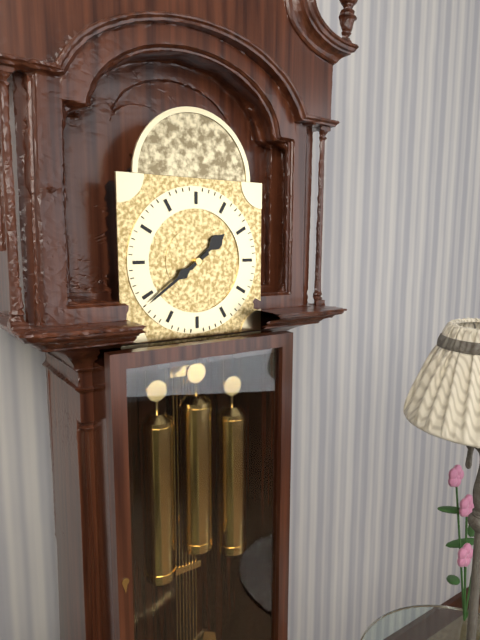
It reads 1h39
